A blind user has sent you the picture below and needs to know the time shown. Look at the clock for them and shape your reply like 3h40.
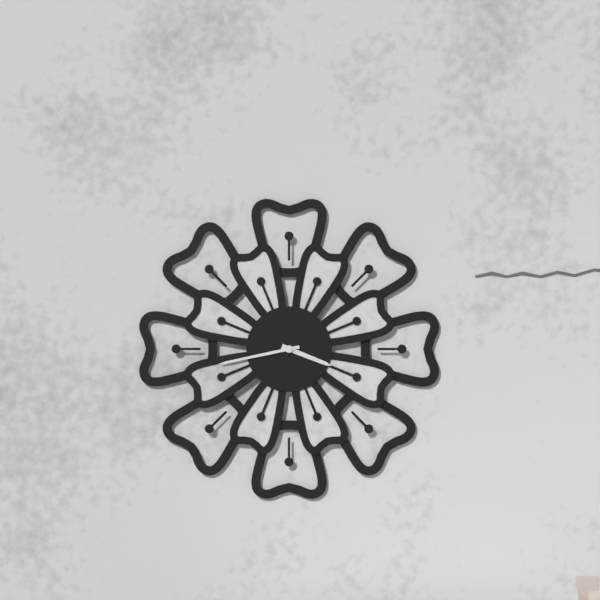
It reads 3h43
